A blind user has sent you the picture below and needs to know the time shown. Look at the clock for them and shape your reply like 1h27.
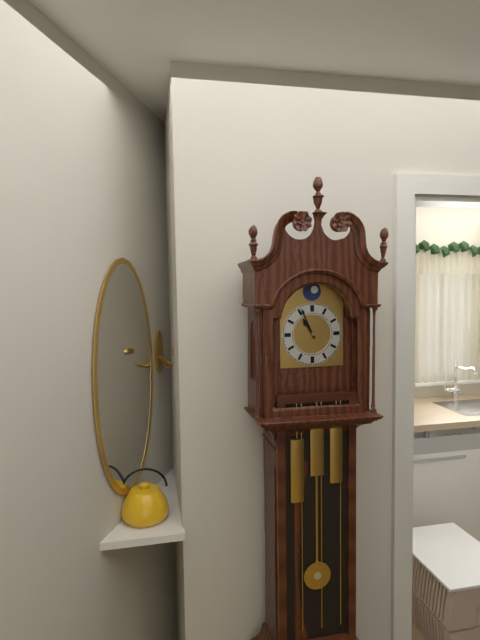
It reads 10h56
